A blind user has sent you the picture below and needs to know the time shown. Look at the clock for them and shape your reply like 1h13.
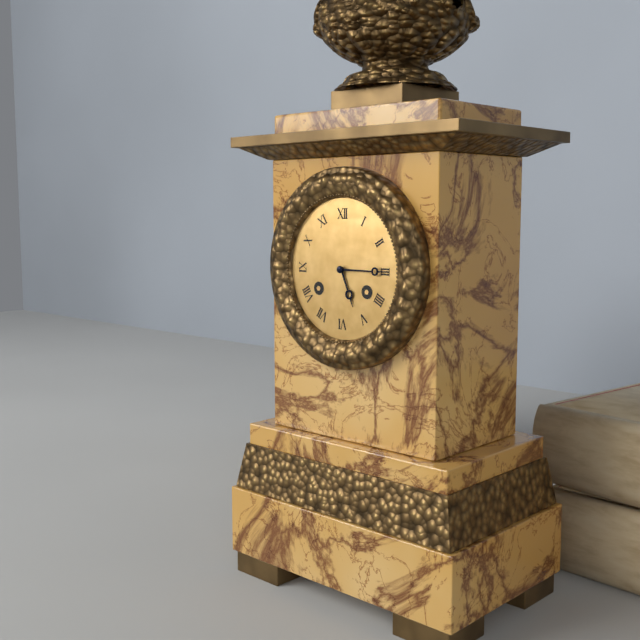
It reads 5h15
